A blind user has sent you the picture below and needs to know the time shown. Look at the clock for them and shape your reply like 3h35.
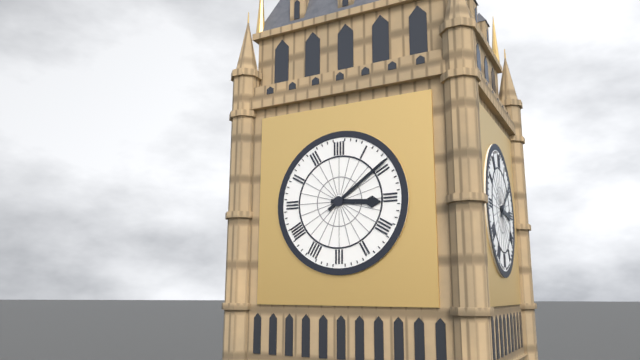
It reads 3h09
